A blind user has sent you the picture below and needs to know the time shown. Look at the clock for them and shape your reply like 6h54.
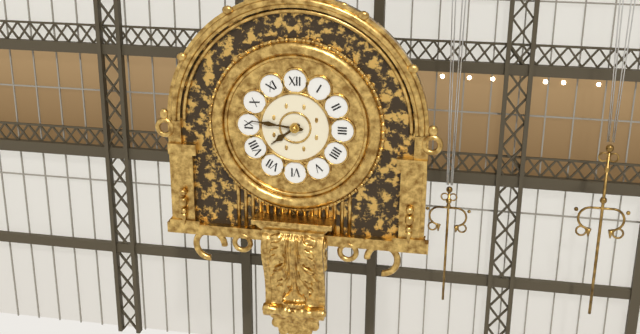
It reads 7h46
